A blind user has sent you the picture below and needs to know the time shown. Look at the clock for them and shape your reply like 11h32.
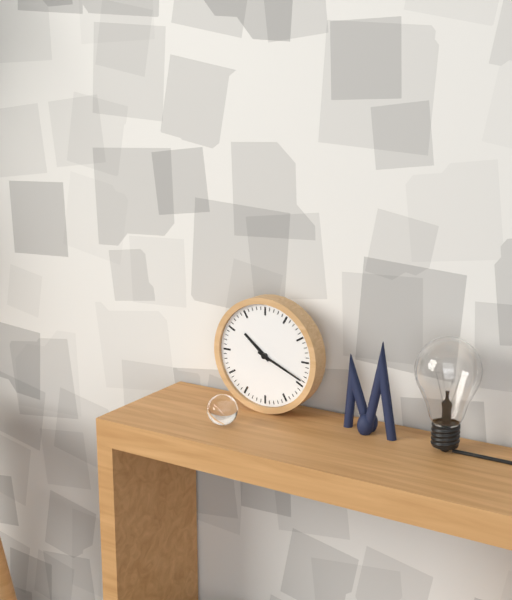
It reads 10h19
